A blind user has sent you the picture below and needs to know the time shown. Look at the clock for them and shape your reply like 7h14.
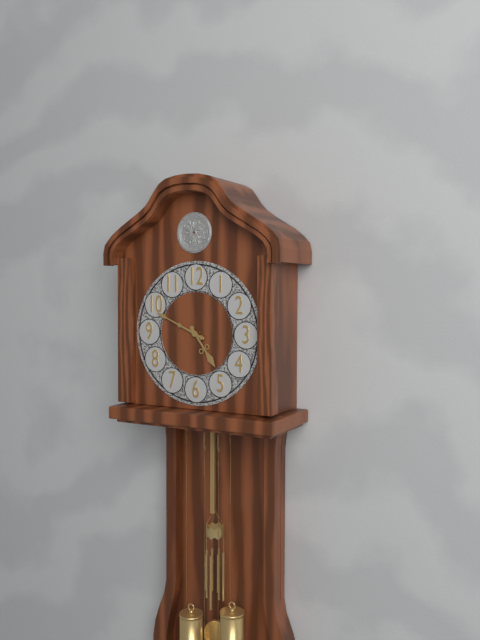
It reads 4h49
